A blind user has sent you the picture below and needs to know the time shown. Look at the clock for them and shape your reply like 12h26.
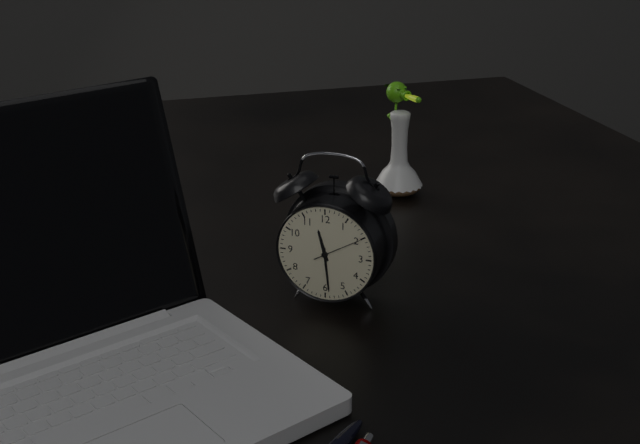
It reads 11h29
